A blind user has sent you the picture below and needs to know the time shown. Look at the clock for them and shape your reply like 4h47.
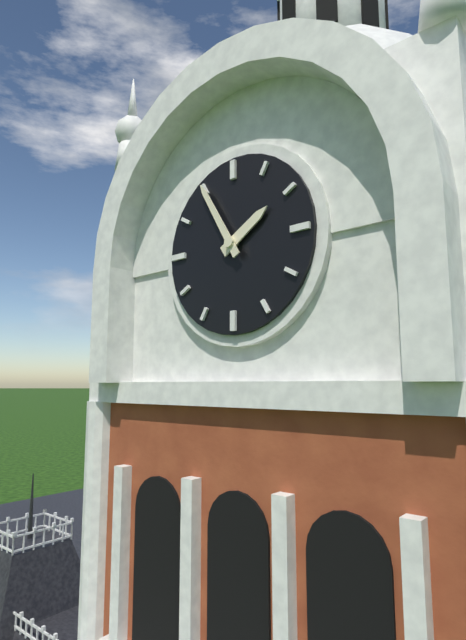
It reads 1h55
